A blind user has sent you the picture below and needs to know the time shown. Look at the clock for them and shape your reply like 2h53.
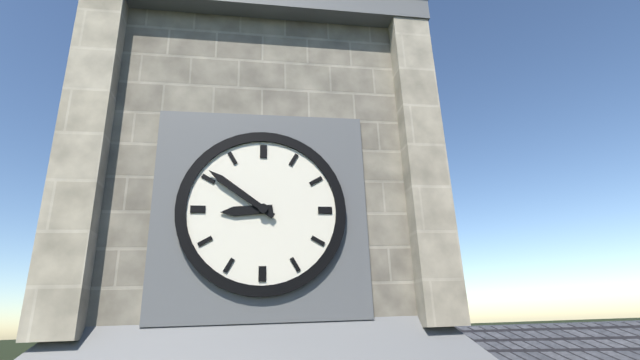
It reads 8h51
